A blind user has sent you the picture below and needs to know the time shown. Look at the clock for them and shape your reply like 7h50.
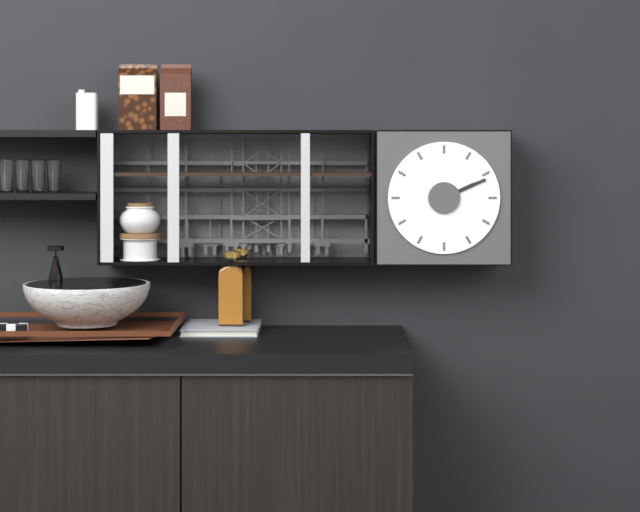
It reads 2h11
